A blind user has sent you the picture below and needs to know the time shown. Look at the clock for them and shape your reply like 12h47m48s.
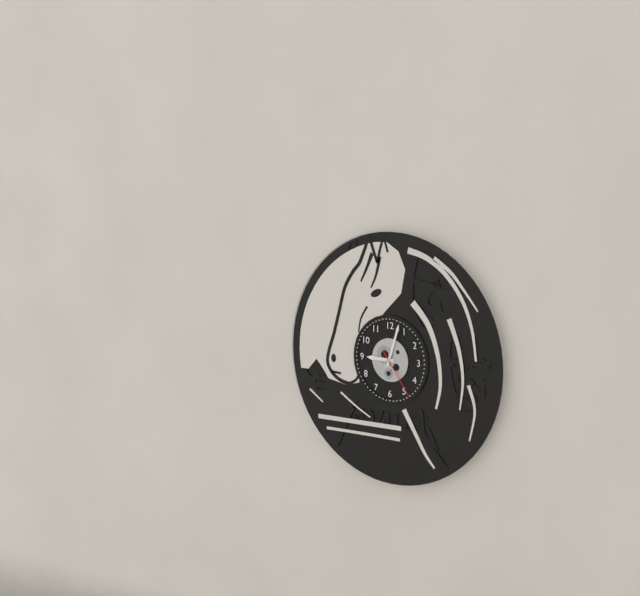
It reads 9h03m24s
